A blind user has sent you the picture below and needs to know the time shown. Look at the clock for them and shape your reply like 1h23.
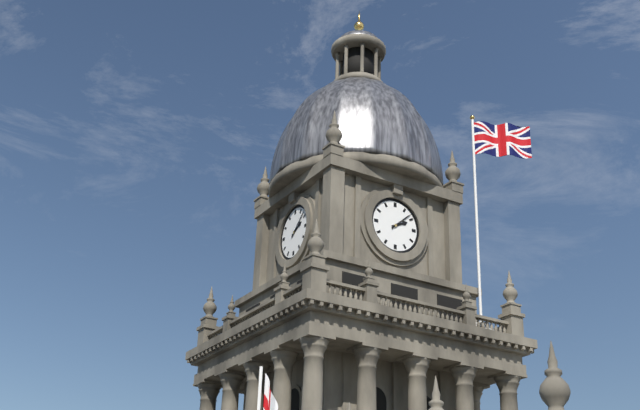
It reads 2h08
